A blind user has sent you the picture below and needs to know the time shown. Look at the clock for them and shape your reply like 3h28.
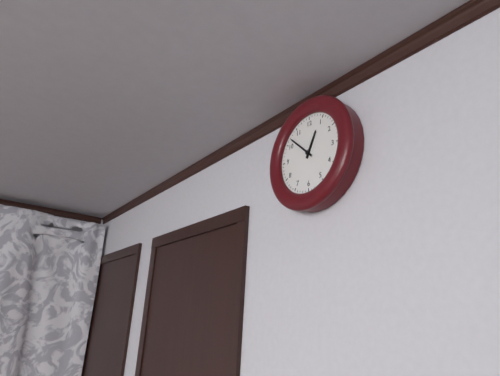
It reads 12h52
